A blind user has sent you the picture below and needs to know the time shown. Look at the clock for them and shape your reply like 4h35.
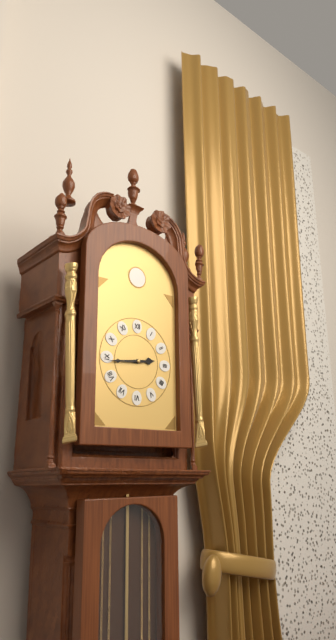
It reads 2h44
